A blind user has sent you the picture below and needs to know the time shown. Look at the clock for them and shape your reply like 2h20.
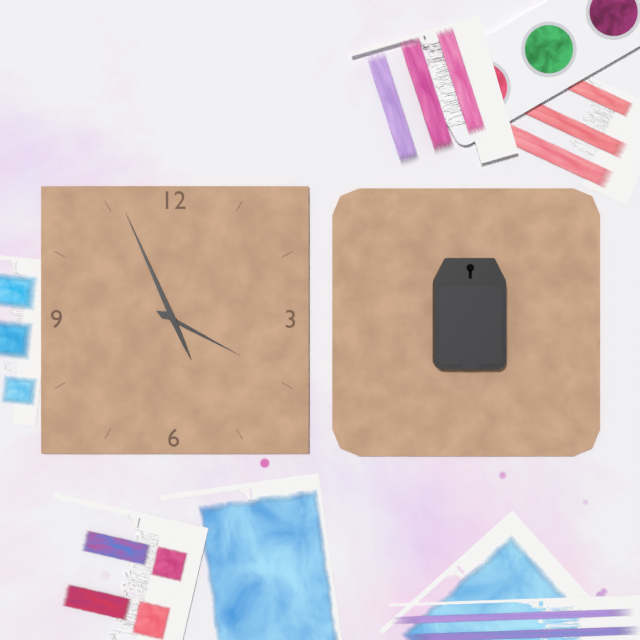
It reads 3h56
